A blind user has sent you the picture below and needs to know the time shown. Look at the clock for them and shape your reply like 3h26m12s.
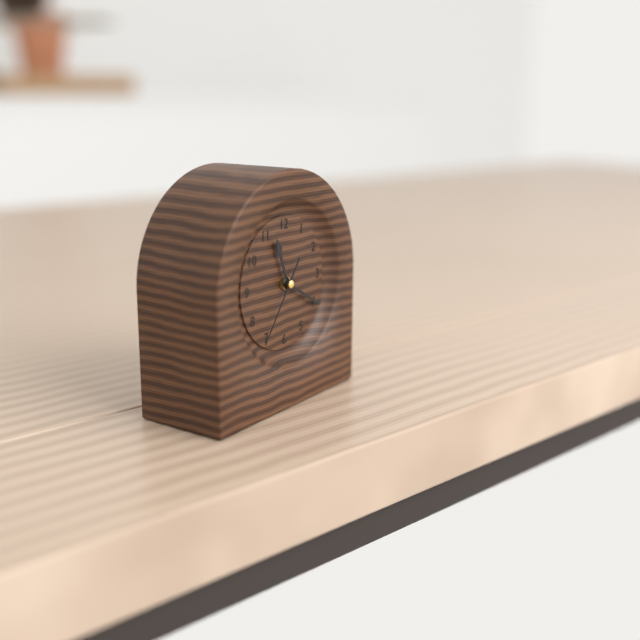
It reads 11h20m36s
